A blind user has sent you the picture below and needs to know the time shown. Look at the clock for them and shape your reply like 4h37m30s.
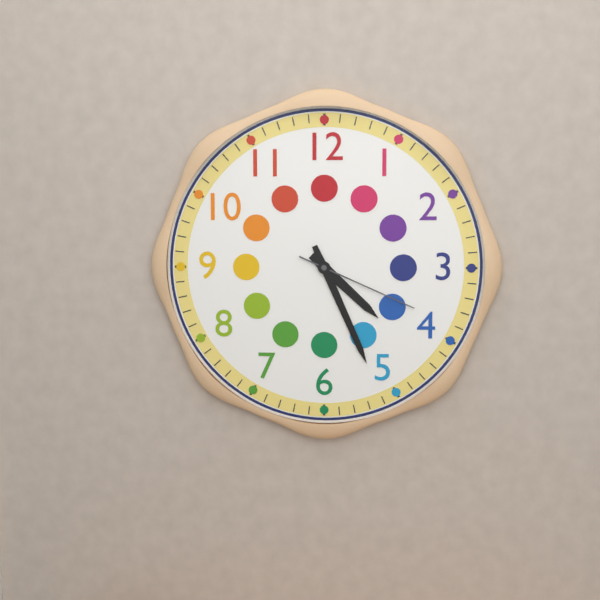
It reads 4h26m19s
